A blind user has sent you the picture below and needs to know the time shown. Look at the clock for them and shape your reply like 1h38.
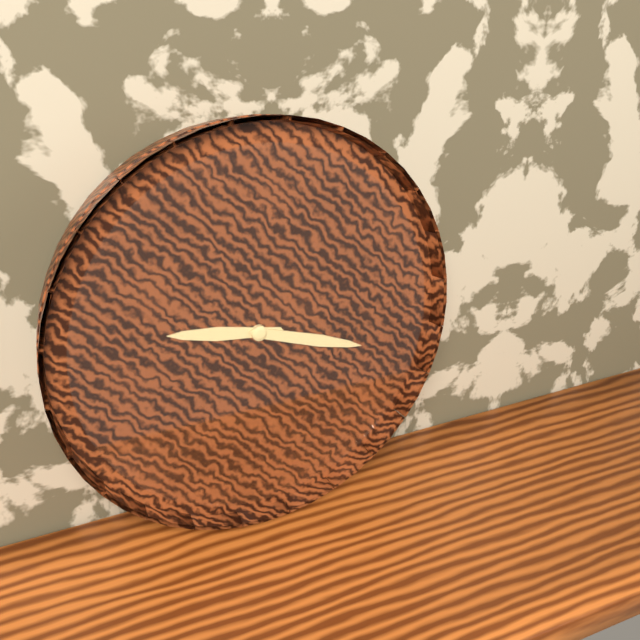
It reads 9h18
